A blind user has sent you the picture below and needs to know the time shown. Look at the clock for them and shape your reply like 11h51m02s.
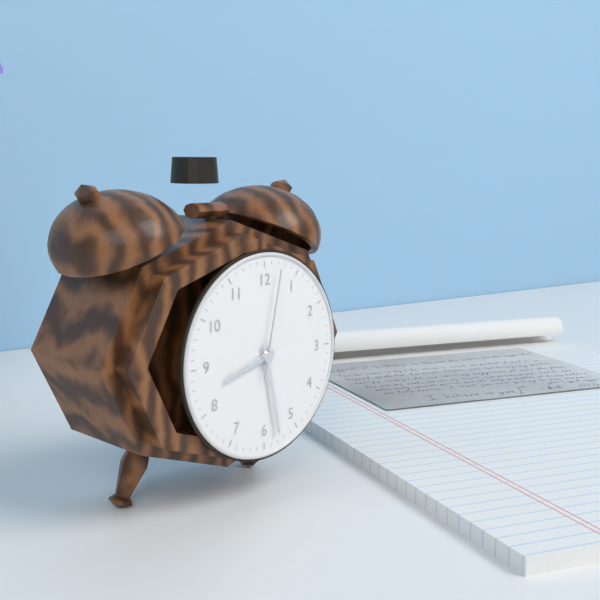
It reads 8h28m02s
